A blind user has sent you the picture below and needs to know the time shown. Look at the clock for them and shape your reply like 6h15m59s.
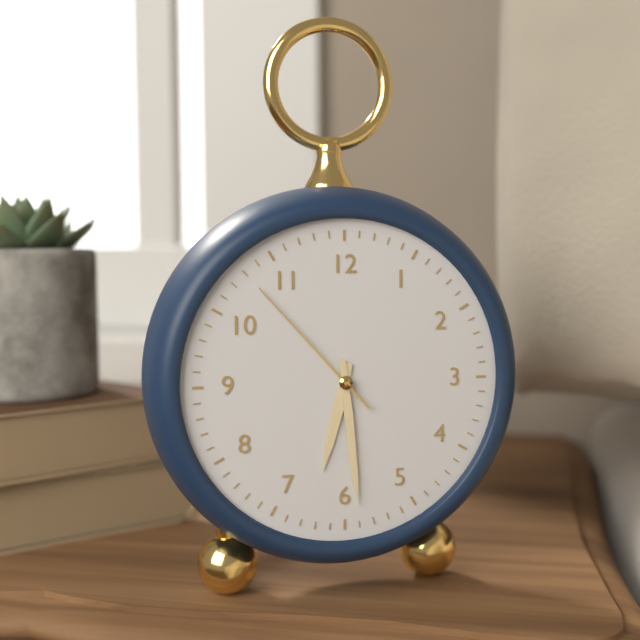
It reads 6h29m53s
